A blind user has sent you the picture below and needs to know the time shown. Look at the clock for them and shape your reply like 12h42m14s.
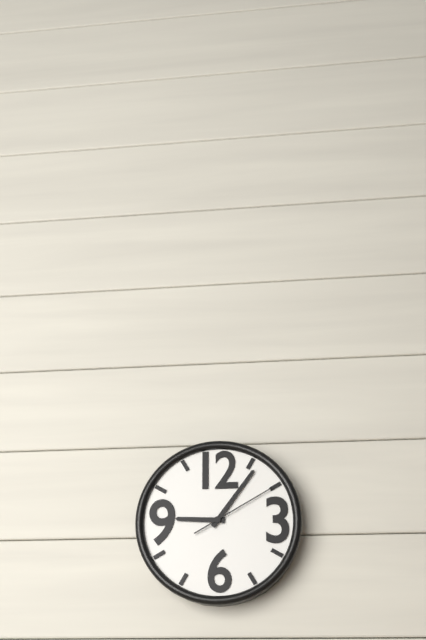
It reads 9h06m10s
